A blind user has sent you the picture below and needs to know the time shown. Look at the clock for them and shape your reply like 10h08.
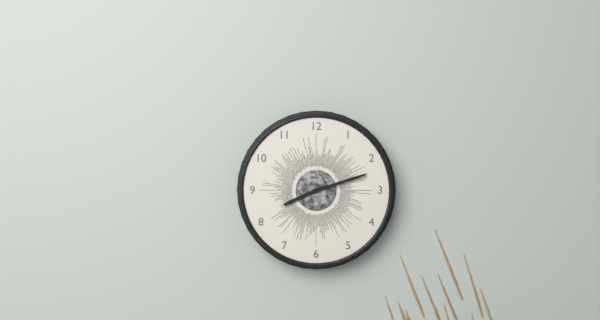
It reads 8h12
